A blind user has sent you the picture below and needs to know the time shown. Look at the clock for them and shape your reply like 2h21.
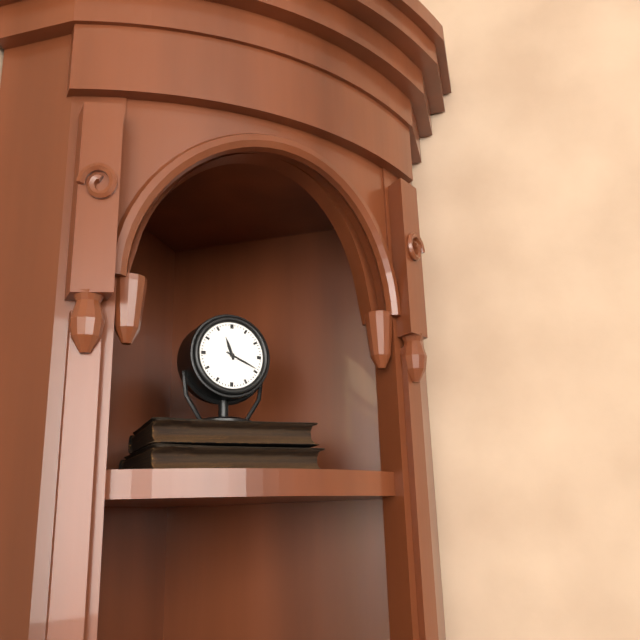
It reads 11h19
